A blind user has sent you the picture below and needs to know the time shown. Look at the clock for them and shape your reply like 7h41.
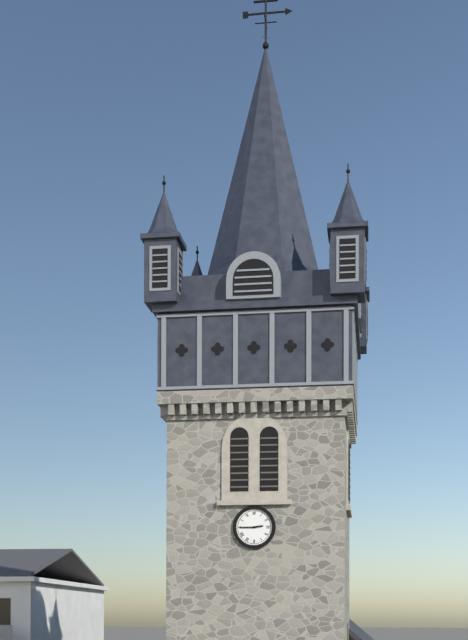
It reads 2h45
